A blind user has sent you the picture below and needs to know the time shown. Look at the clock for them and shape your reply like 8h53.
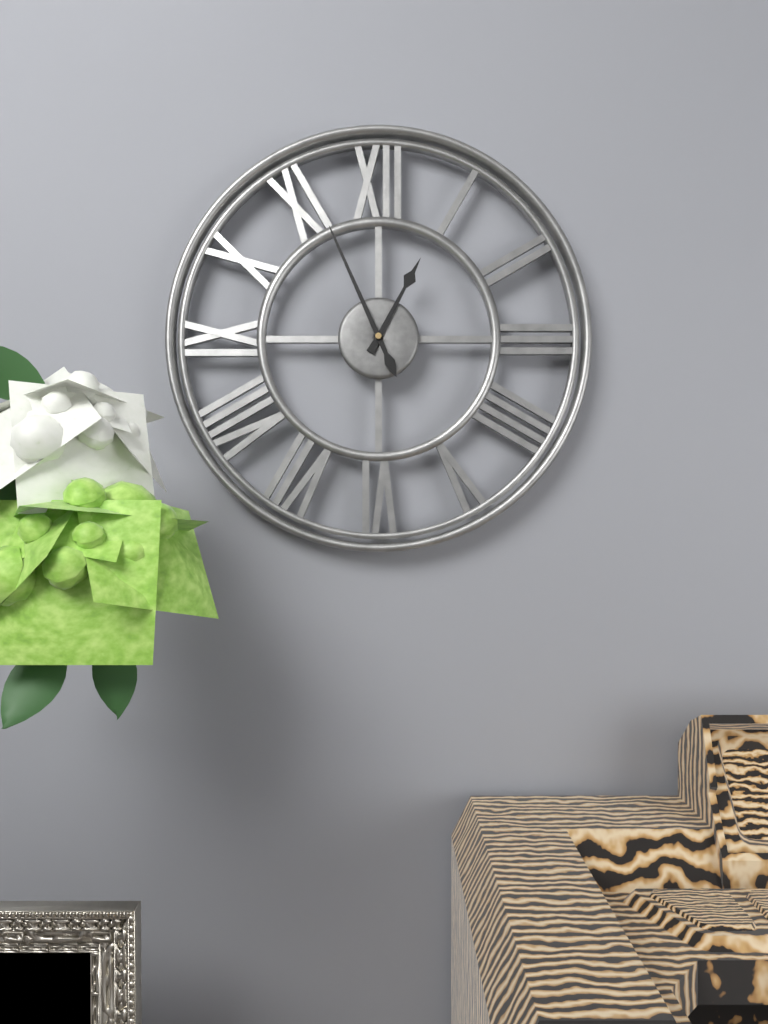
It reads 12h56
